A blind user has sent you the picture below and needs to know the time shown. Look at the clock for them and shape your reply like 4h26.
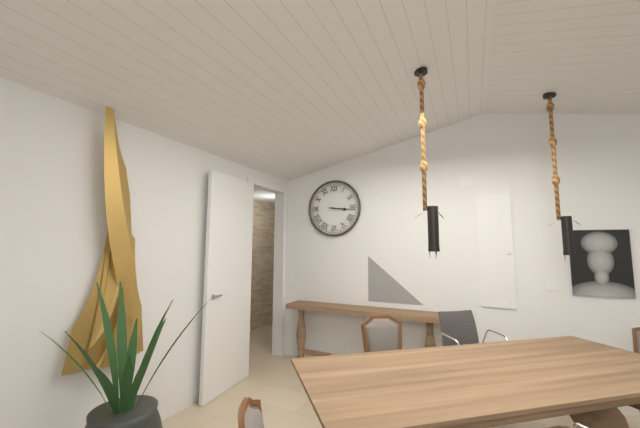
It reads 3h16
